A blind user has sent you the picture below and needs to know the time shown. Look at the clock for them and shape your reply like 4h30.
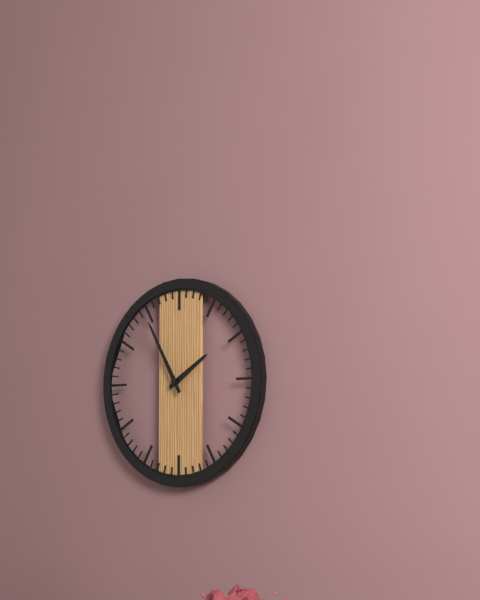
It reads 1h55
